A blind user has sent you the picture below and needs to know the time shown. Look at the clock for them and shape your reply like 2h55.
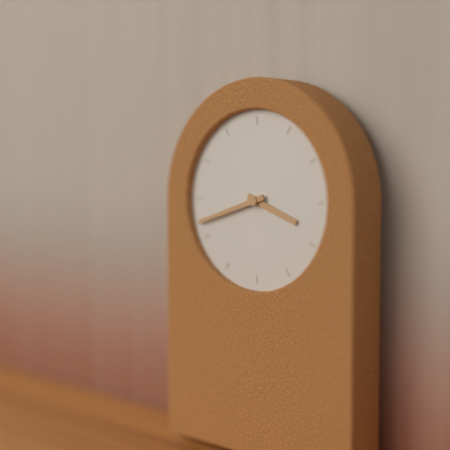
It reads 3h42
